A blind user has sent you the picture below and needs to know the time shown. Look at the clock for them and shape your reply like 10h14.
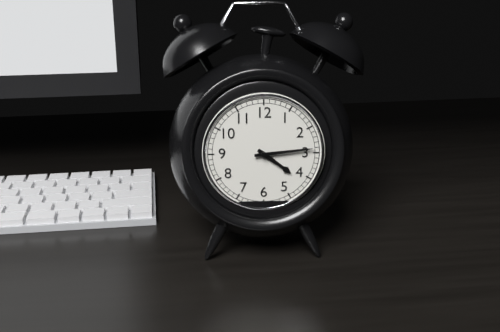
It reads 4h14
